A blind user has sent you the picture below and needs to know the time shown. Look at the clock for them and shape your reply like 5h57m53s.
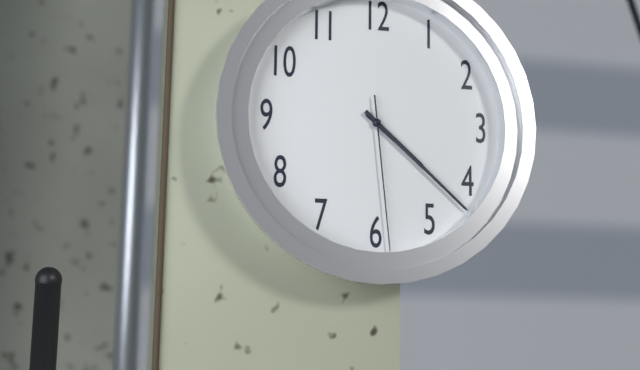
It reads 4h22m29s
